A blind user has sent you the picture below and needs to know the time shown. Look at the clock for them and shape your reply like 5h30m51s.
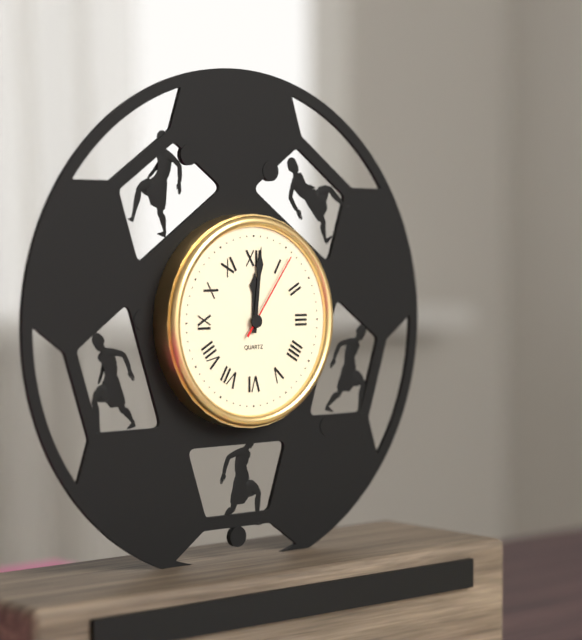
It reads 12h01m06s
